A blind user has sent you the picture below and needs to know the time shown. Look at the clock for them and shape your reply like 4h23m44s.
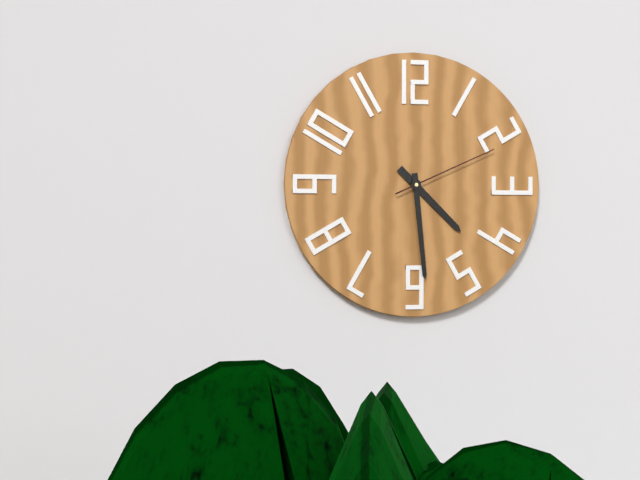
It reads 4h29m11s
